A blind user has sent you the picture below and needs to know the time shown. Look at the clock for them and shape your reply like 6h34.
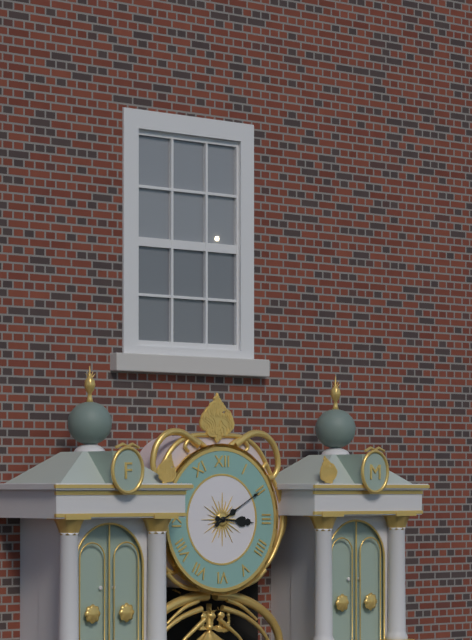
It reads 3h10
